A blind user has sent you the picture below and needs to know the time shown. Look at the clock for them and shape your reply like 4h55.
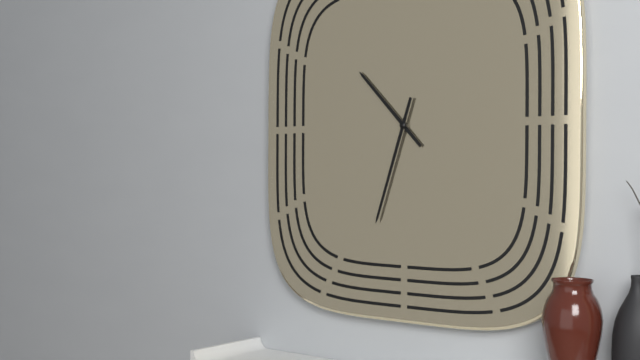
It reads 10h33
